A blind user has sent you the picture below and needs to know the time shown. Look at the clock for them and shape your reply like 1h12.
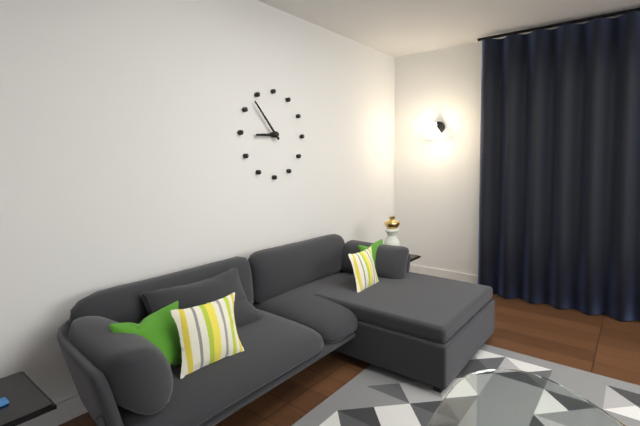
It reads 8h53
